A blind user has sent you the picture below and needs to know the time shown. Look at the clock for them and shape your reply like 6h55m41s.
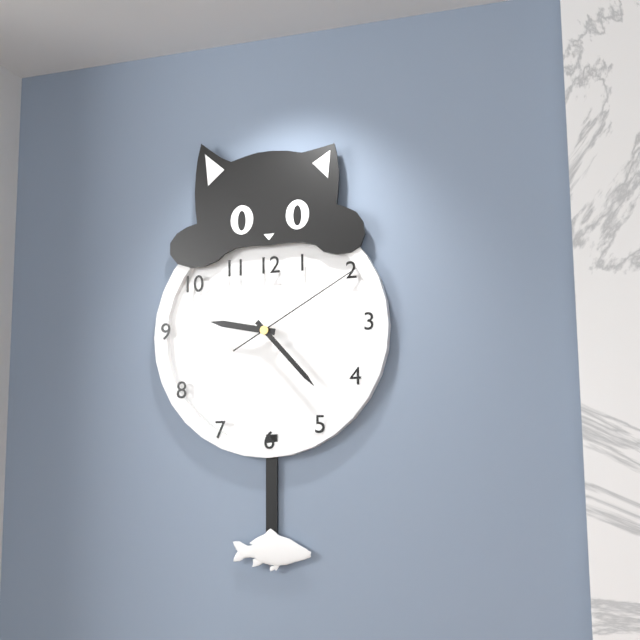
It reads 9h23m10s
